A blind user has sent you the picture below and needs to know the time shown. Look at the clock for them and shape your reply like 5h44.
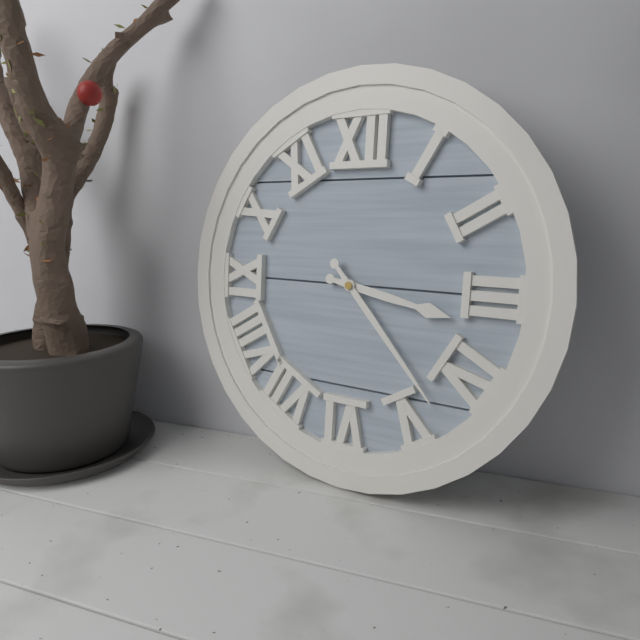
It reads 3h23
